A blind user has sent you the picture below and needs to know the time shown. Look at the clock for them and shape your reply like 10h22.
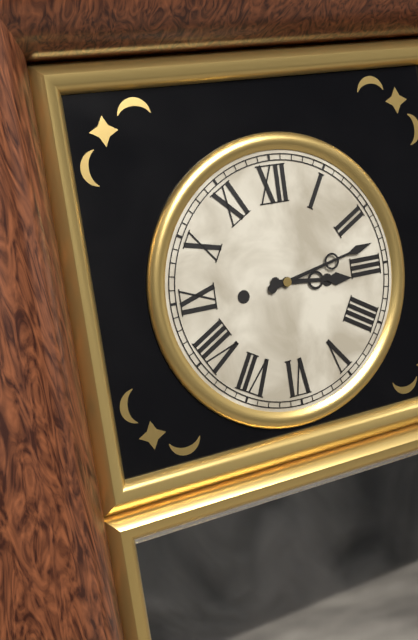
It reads 3h13
